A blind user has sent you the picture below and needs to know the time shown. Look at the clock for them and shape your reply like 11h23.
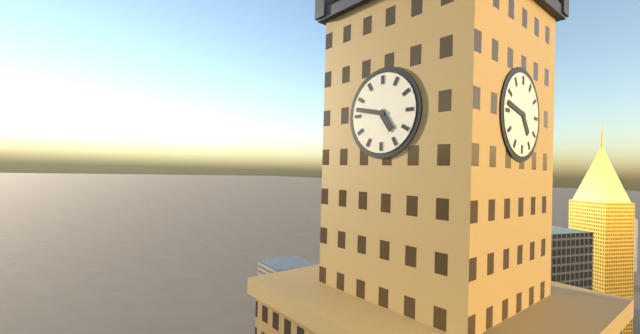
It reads 4h47
